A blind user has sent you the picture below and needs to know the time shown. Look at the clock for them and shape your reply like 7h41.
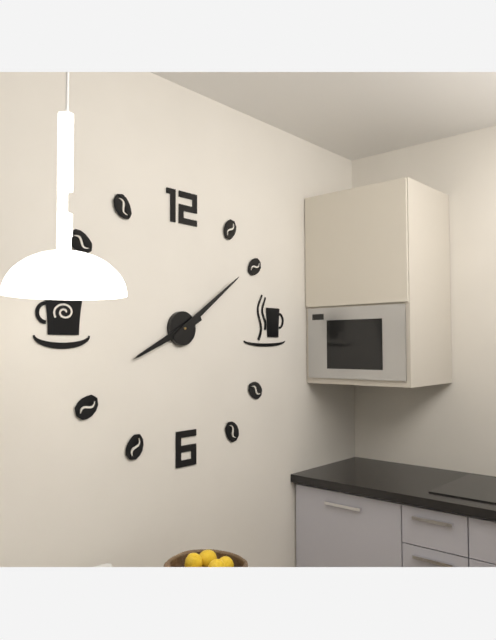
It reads 8h09
